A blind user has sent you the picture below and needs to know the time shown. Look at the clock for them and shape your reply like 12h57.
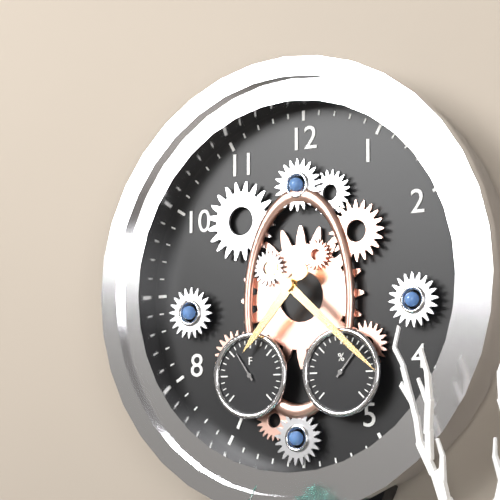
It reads 7h22
